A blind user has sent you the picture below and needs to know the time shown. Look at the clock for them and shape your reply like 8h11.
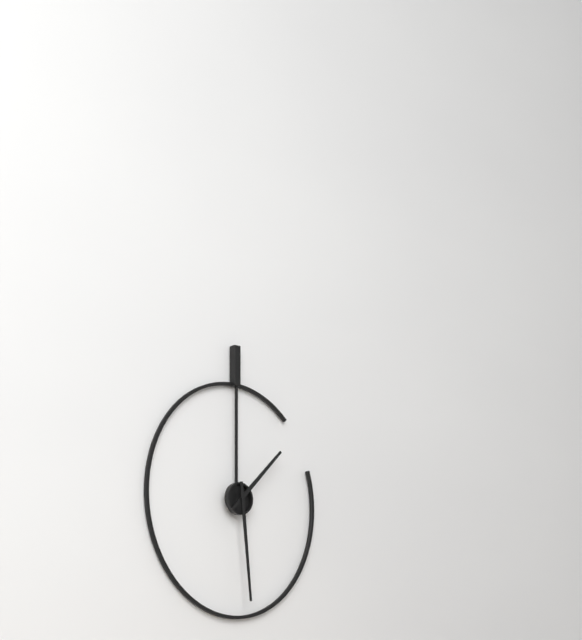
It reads 1h29
